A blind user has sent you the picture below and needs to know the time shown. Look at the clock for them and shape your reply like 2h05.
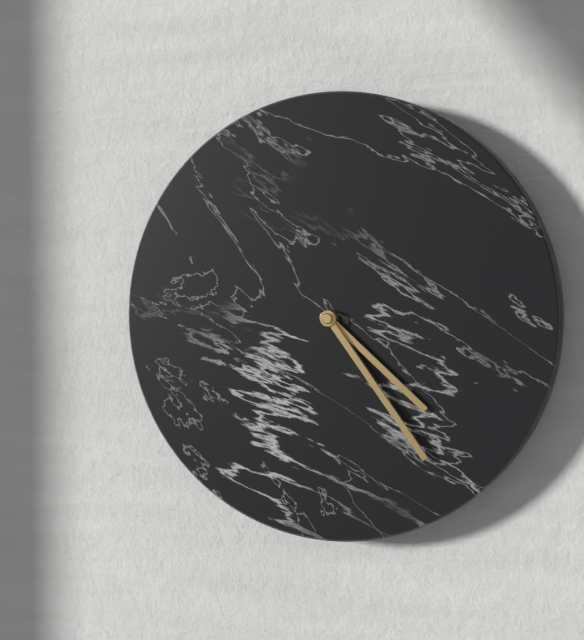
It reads 4h24
